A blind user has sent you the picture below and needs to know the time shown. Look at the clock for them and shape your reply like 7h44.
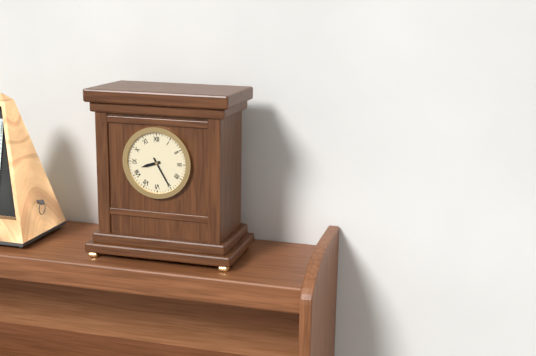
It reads 8h25
